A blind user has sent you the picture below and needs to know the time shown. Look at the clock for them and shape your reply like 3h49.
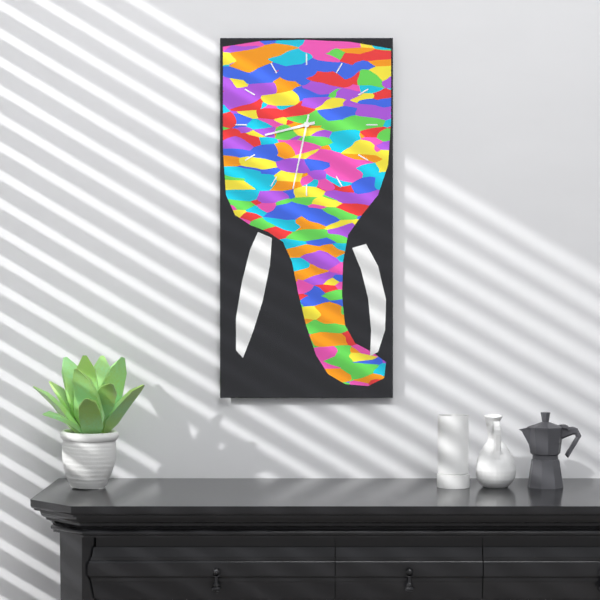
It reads 8h32
